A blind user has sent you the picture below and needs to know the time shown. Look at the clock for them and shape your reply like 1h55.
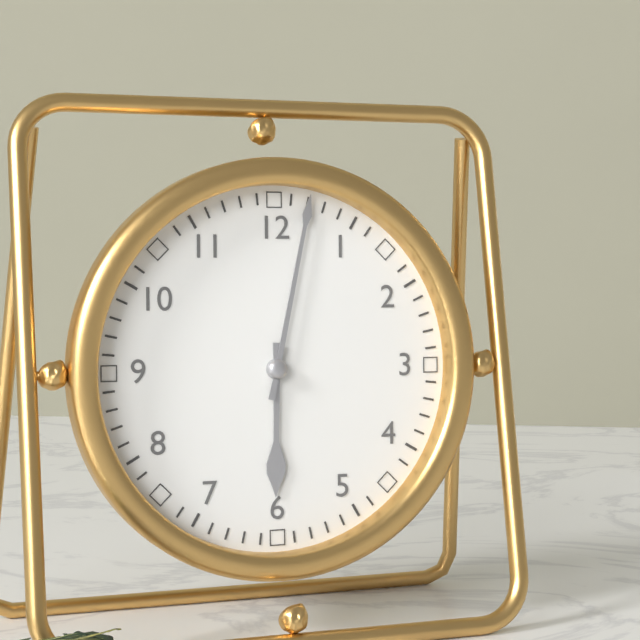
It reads 6h02
